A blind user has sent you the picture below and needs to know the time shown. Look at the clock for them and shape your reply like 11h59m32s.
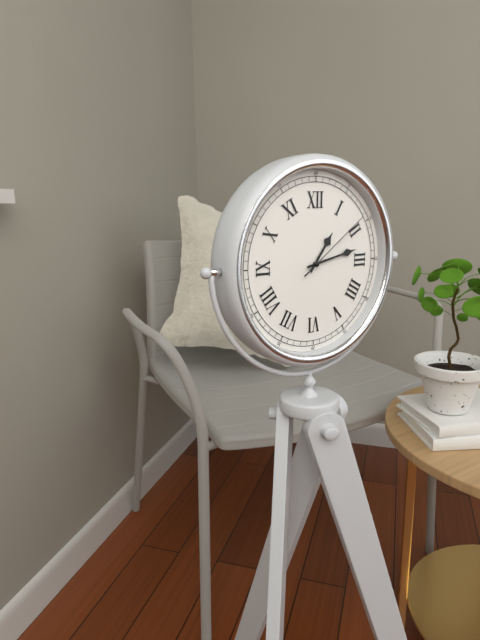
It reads 1h13m09s
